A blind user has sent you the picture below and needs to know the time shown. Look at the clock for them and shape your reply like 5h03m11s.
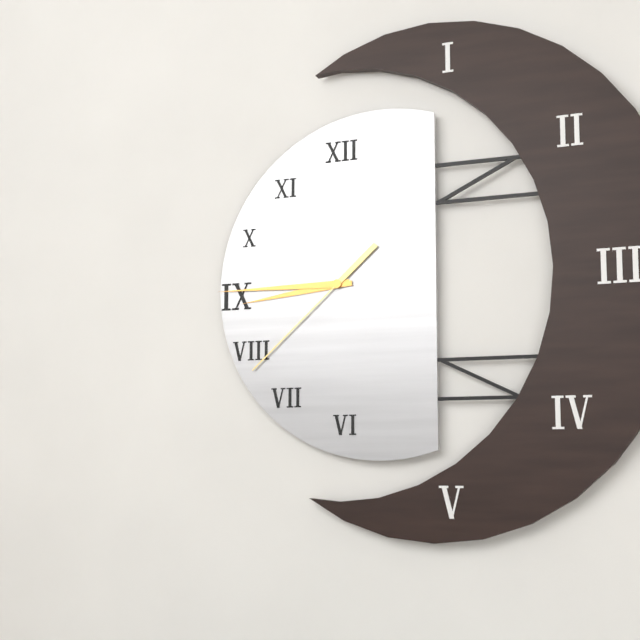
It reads 8h45m38s
